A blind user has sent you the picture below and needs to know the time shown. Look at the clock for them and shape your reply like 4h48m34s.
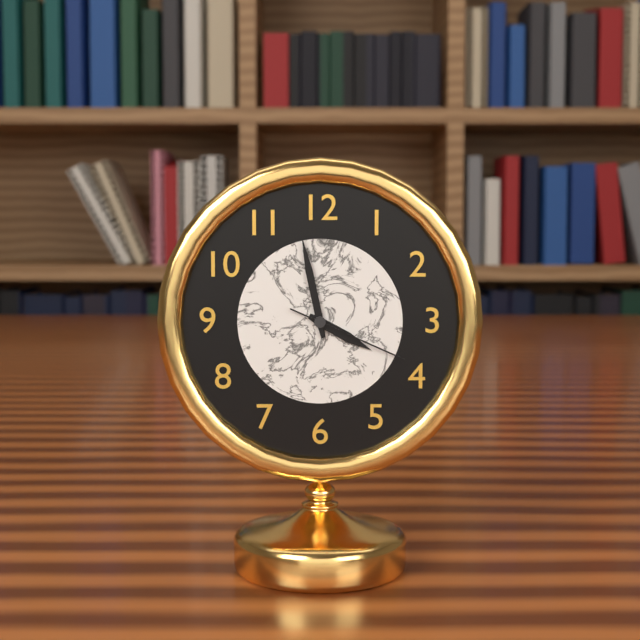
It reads 3h58m19s
